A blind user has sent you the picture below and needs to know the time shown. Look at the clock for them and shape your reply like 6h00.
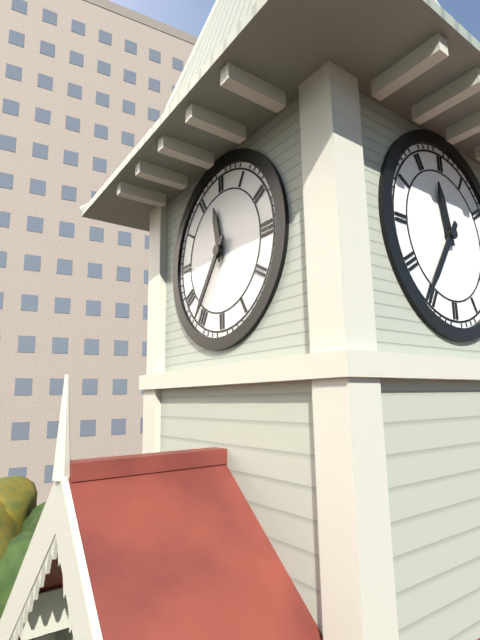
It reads 11h36
